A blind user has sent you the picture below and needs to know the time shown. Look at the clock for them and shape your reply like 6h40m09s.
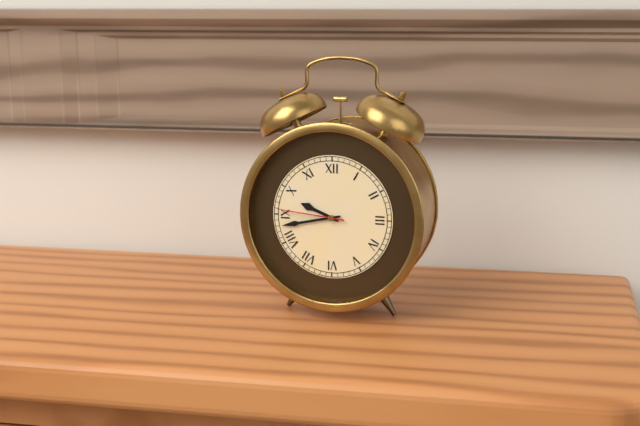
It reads 9h43m46s
